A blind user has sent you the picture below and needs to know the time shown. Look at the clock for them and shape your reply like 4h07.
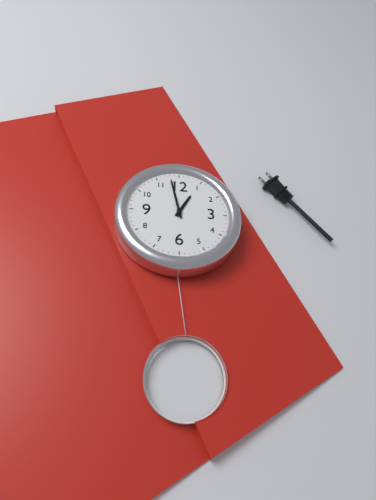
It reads 12h58
